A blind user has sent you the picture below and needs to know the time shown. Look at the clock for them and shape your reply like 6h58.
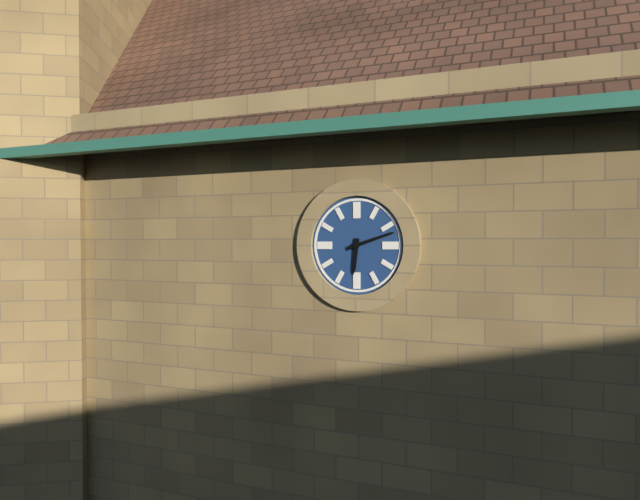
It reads 6h12
